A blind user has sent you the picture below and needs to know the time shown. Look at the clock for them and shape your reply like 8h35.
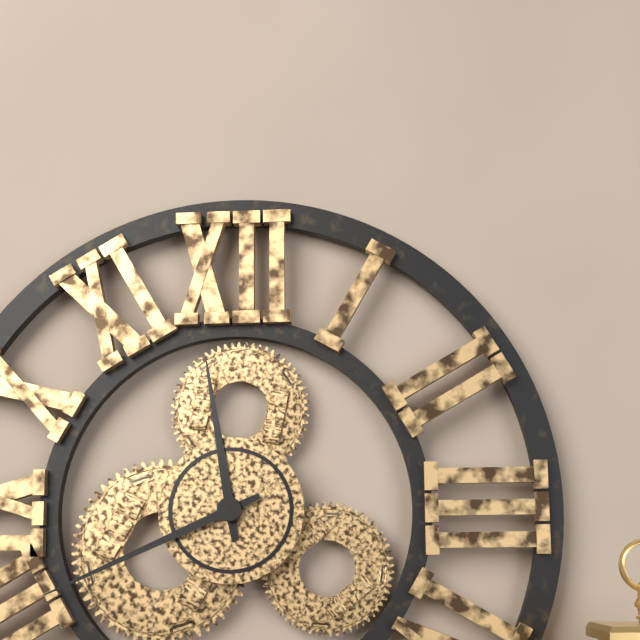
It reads 11h41
